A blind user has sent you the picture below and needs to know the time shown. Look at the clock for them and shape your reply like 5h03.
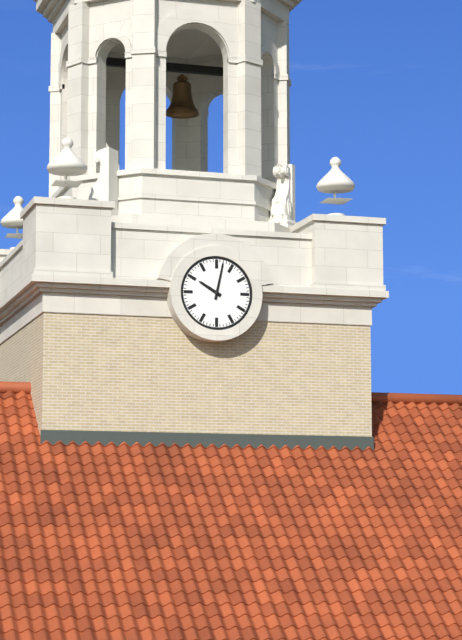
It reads 10h02
